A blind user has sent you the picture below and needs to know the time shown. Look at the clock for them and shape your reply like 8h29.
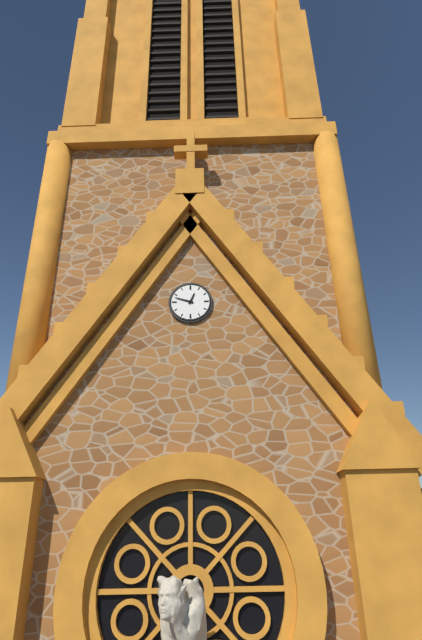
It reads 12h48
